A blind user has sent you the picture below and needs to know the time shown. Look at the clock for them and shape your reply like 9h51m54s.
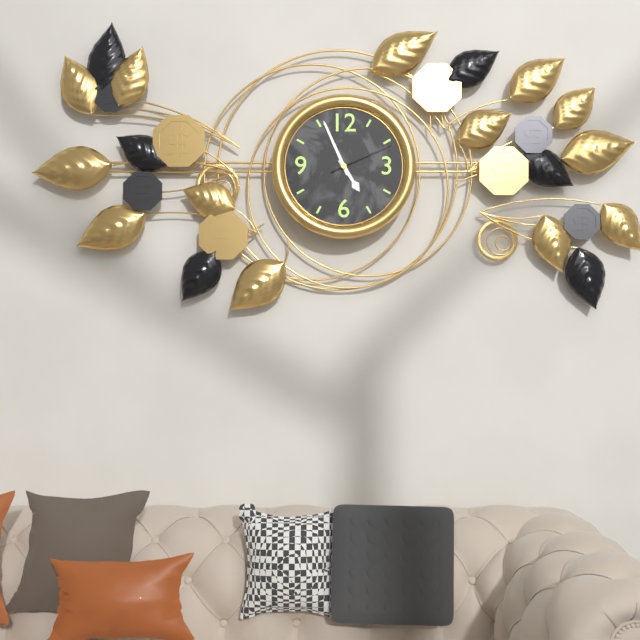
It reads 4h56m11s
